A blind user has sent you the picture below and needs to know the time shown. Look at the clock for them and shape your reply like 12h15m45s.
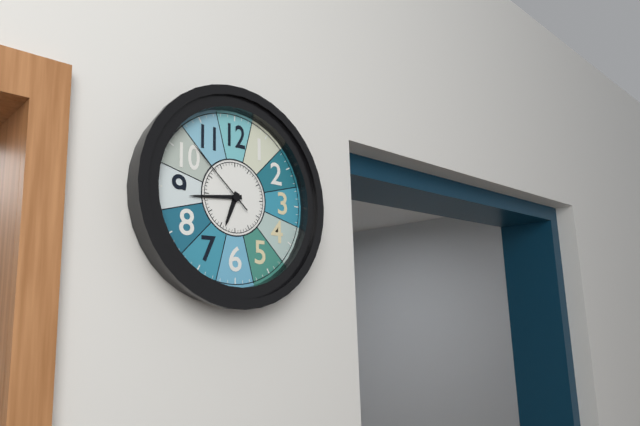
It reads 6h44m52s
